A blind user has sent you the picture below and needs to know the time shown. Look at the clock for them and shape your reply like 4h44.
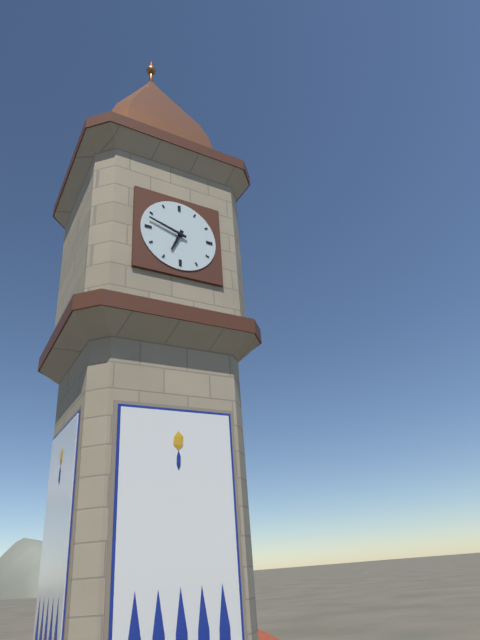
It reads 6h48
